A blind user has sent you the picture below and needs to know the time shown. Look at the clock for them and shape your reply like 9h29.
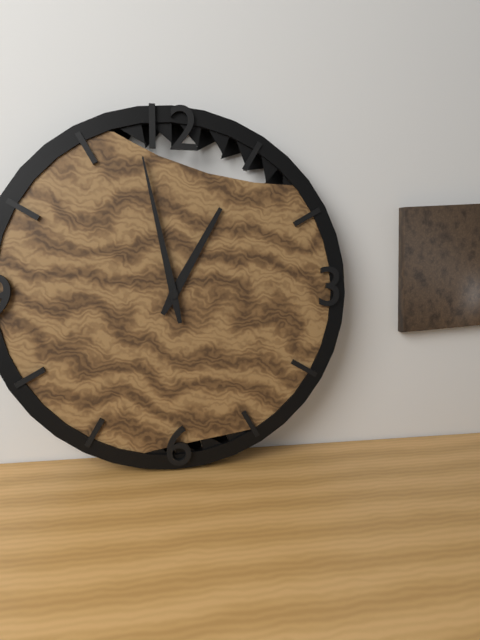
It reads 12h58
